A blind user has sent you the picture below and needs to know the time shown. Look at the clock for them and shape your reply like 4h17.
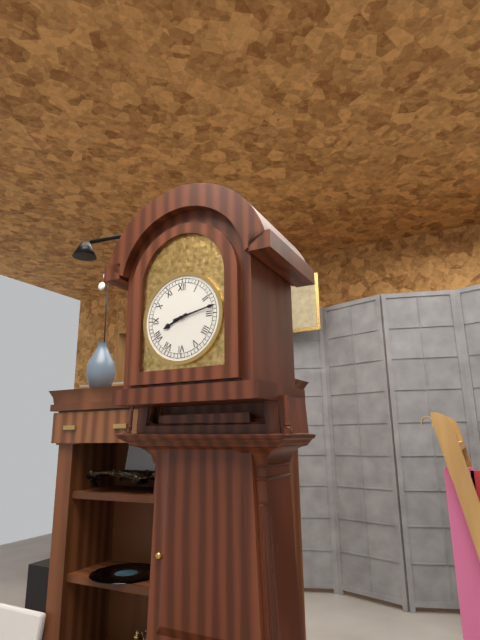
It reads 8h13
